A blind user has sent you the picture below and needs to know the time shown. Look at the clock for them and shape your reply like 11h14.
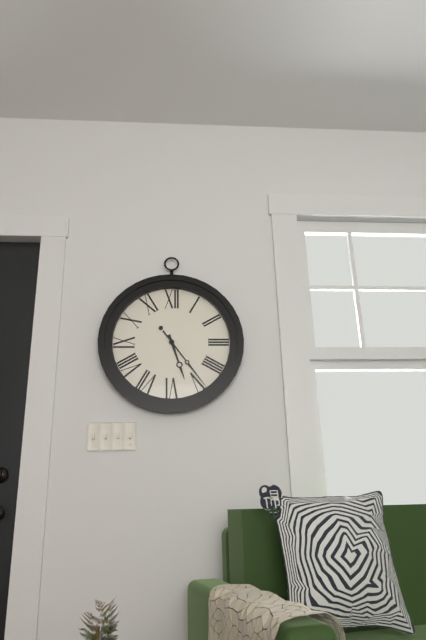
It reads 5h24
